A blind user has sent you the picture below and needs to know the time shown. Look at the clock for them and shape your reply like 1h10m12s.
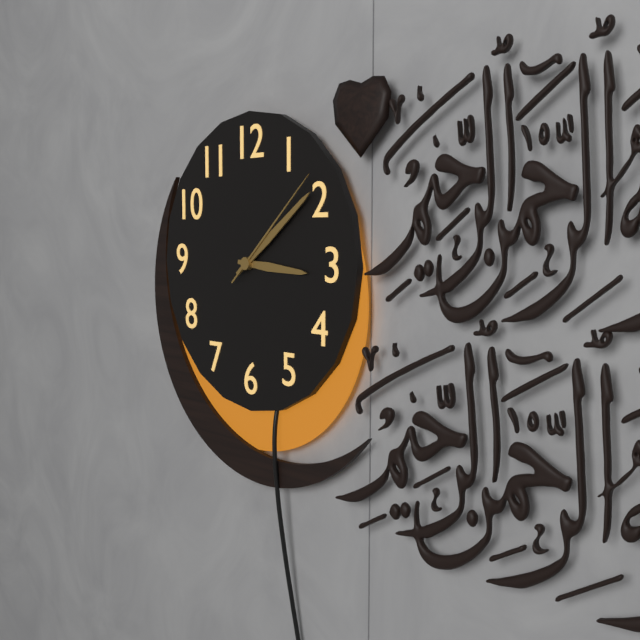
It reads 3h09m08s
